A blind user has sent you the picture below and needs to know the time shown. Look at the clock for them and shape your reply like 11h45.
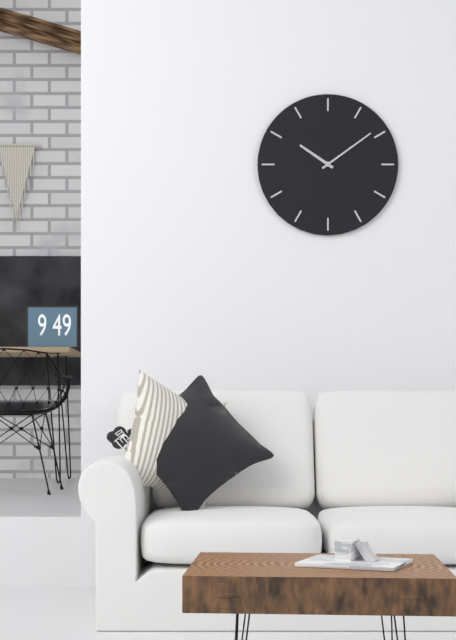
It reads 10h09
